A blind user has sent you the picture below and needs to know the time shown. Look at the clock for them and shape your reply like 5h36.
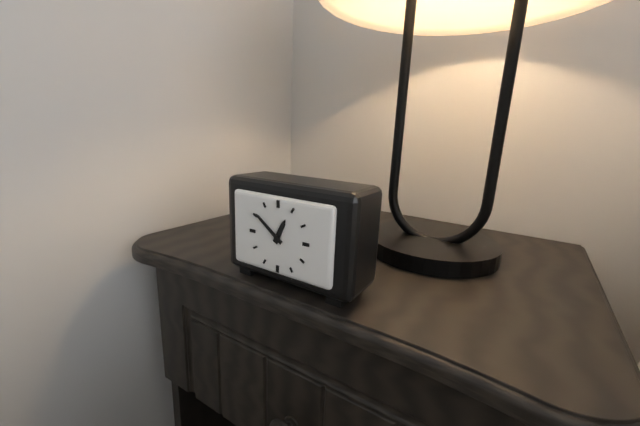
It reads 12h51
